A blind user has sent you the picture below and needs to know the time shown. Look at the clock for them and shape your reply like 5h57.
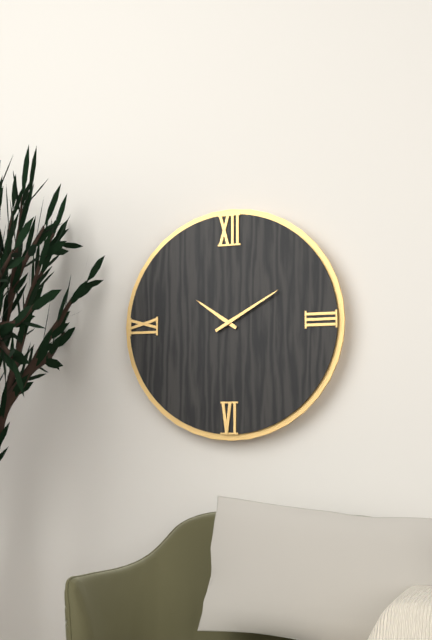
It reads 10h10
